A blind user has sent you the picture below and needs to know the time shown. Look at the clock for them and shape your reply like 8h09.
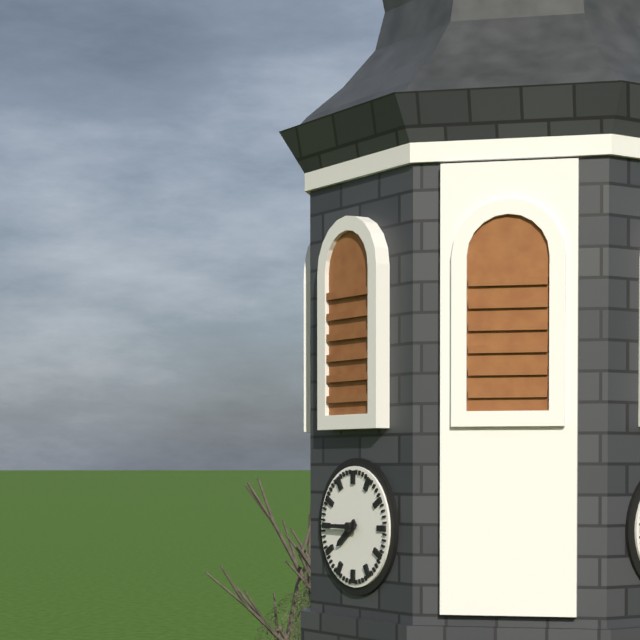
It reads 7h45
